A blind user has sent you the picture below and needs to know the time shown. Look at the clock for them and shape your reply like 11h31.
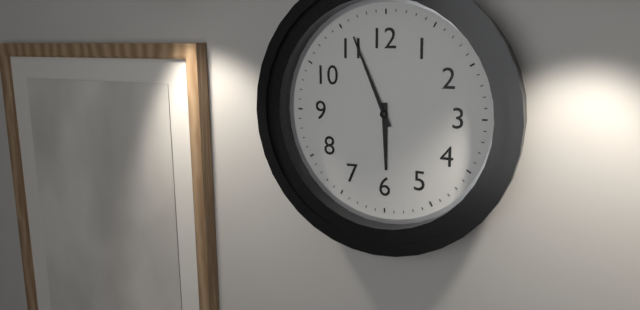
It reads 5h56
